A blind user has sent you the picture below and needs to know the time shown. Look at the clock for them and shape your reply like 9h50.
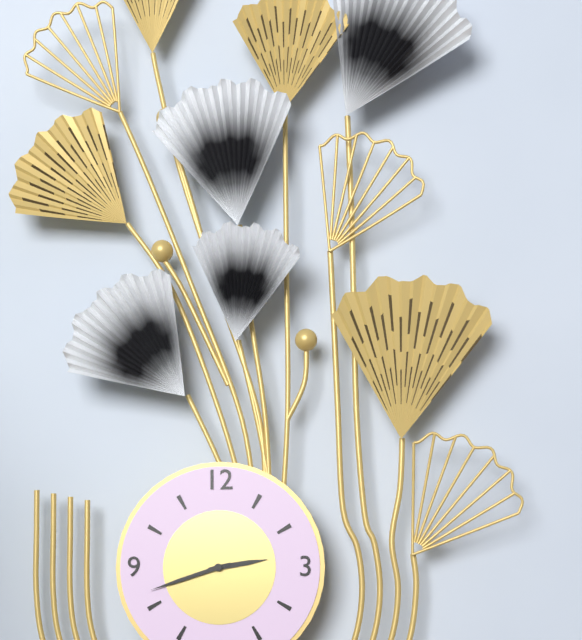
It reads 2h42
